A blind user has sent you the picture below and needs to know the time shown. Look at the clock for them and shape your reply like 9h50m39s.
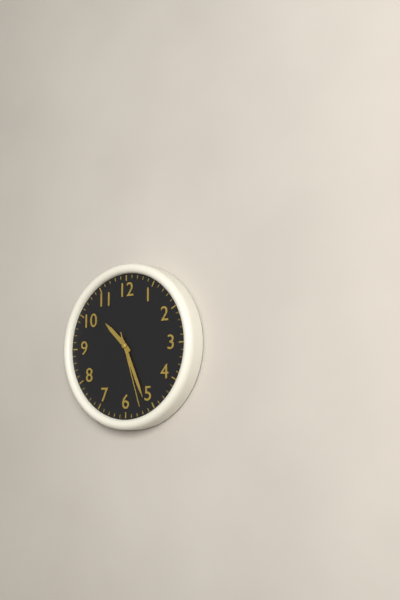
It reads 10h26m27s
